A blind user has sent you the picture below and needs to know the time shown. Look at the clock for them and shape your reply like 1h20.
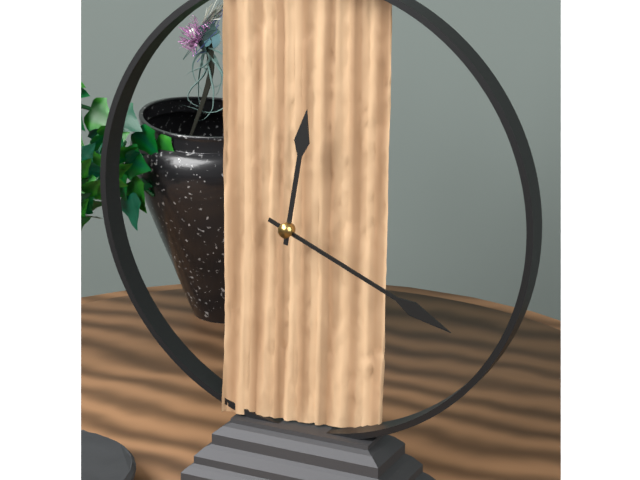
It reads 12h19
